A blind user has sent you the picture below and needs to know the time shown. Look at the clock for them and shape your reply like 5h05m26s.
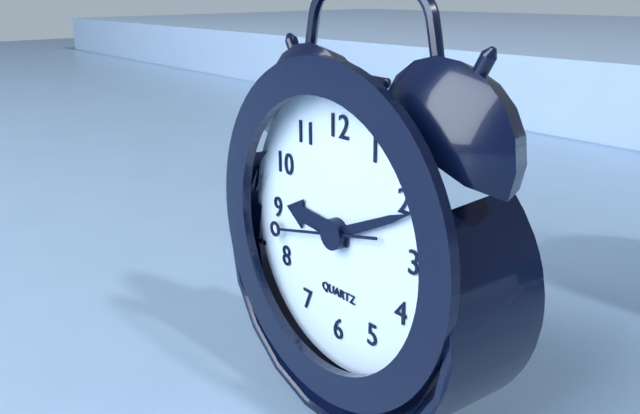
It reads 9h11m43s
